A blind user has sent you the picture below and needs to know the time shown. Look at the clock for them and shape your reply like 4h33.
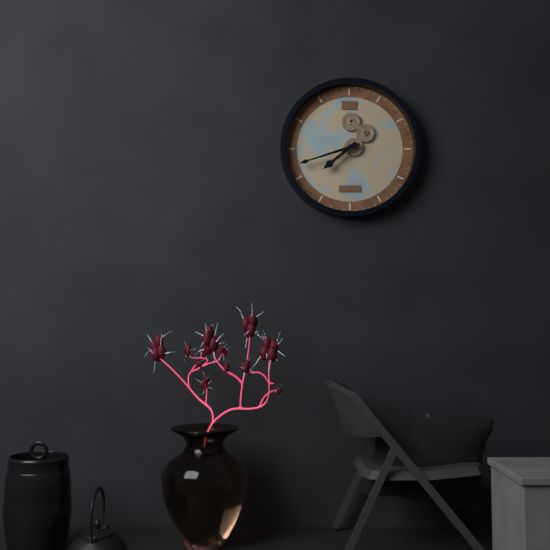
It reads 7h42
